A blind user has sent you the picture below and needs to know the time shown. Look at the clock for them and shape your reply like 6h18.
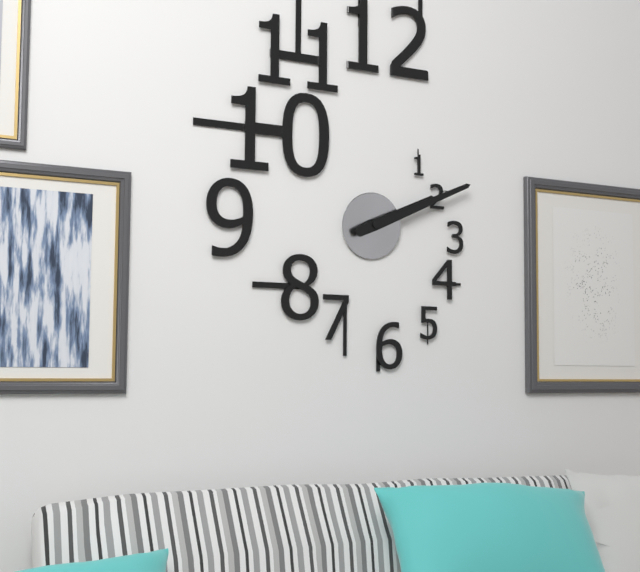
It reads 2h11
